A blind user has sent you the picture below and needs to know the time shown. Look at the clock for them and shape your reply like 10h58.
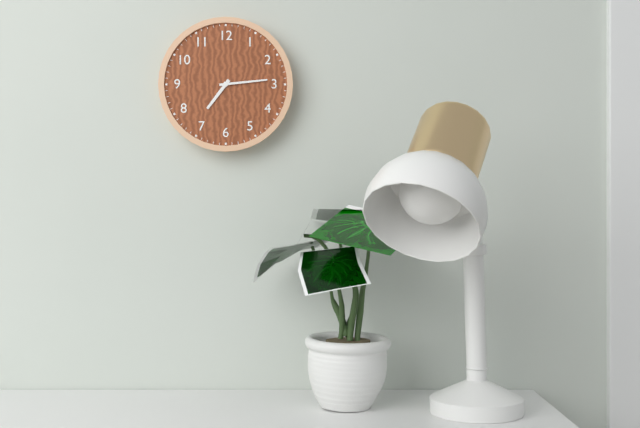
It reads 7h14
